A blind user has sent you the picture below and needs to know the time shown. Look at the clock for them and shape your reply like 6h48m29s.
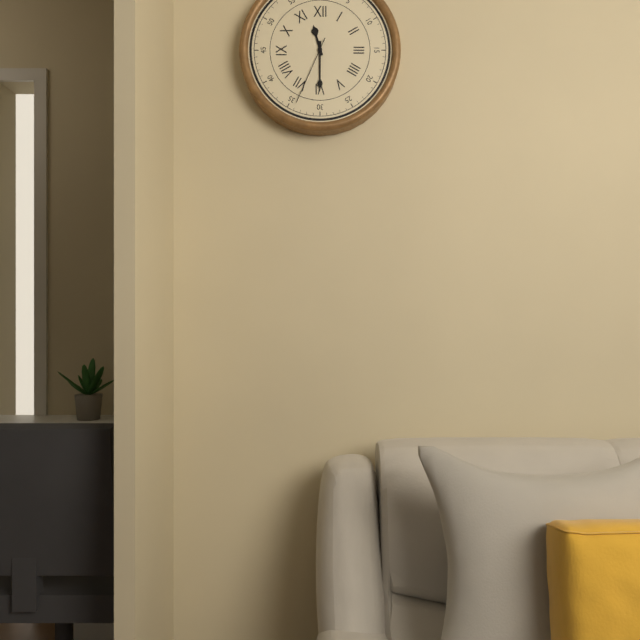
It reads 11h30m34s
